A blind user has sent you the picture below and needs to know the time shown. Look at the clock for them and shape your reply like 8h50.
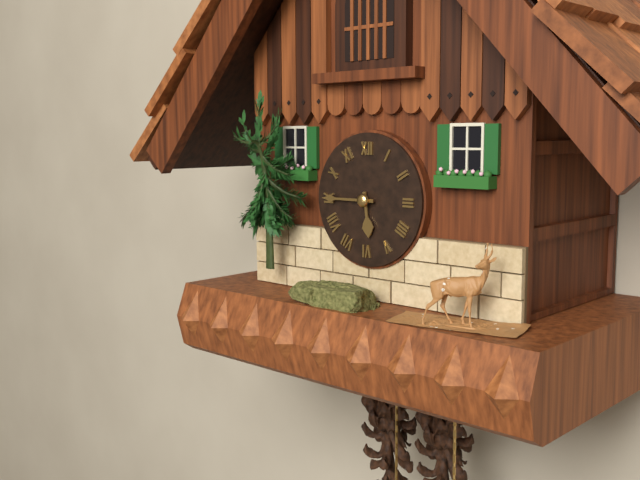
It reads 5h45
